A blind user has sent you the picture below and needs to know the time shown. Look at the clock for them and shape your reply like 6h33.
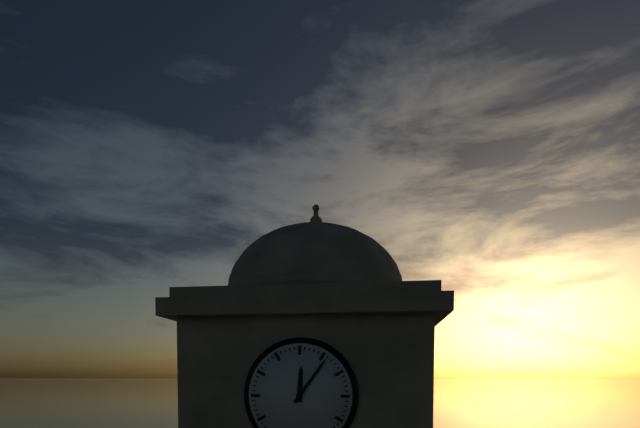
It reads 12h06
